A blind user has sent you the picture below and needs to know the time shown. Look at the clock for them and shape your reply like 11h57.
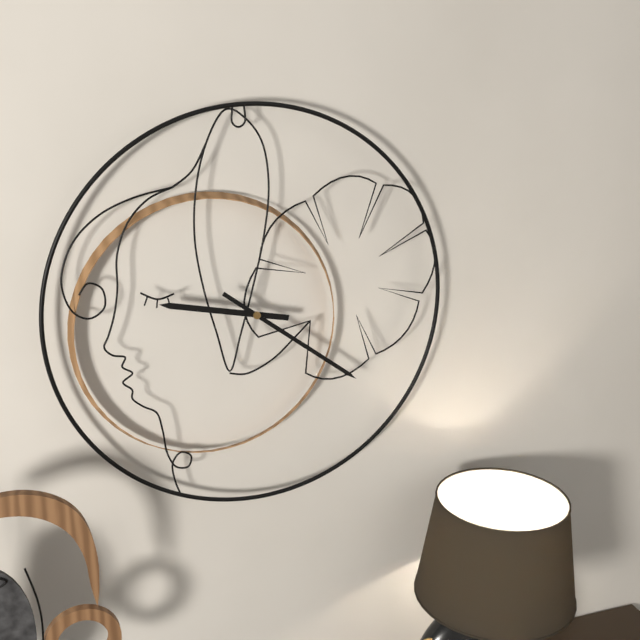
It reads 9h21
